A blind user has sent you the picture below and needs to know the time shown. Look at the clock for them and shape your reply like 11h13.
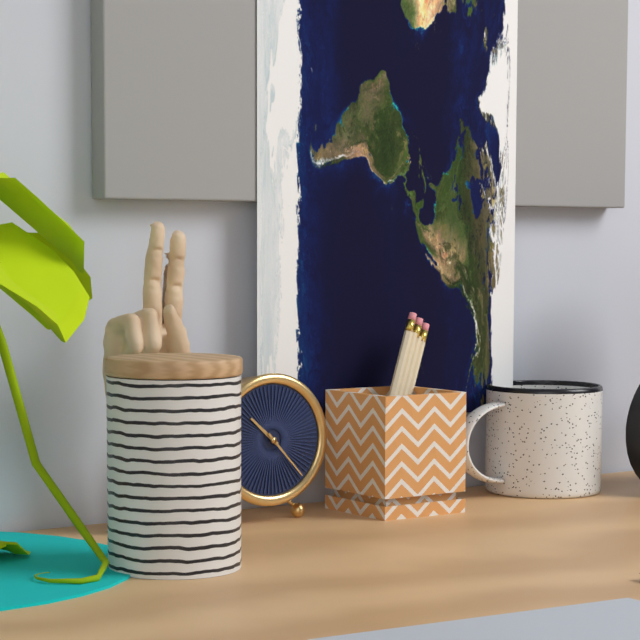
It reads 10h23
